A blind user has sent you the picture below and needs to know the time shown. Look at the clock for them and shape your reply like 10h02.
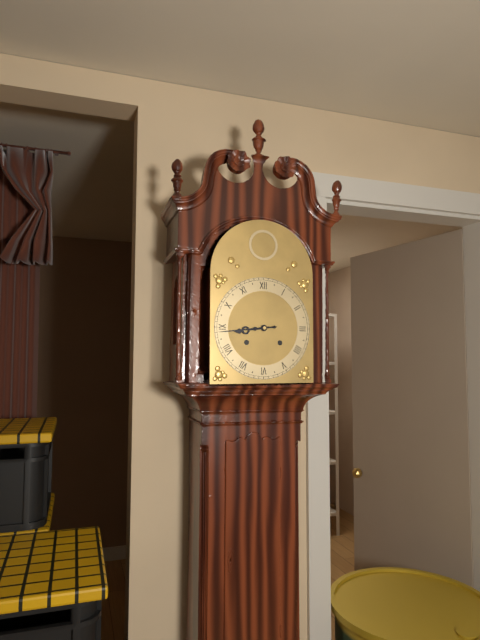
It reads 8h44
